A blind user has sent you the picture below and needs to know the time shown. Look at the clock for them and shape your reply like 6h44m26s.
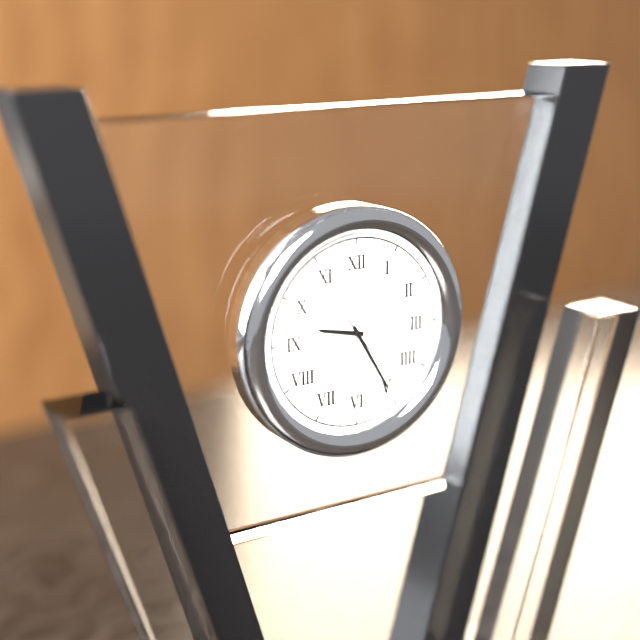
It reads 9h25m24s
